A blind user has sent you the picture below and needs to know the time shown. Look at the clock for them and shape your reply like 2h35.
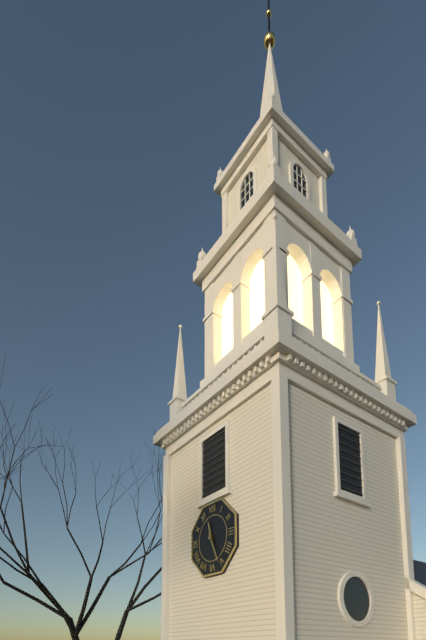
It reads 11h26
